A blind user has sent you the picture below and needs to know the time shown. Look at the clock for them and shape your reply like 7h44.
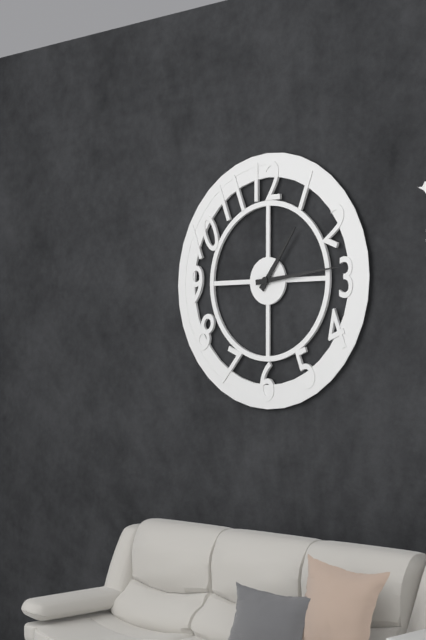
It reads 1h14
